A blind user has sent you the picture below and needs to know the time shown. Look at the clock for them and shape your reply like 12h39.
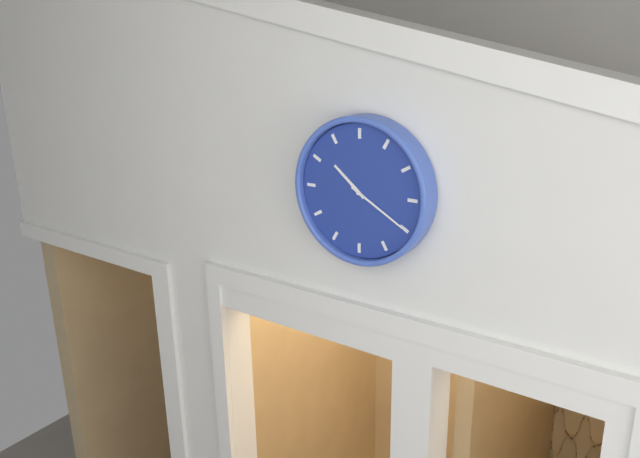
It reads 10h20
